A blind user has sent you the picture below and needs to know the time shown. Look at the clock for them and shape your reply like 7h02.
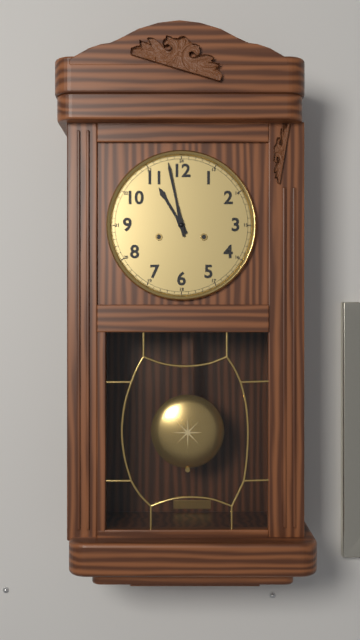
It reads 10h58
